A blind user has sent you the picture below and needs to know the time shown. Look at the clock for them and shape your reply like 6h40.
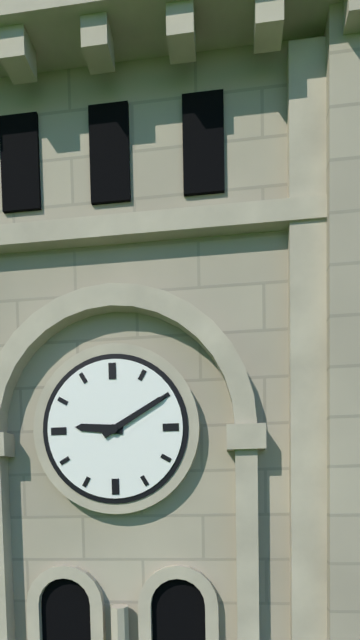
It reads 9h10
